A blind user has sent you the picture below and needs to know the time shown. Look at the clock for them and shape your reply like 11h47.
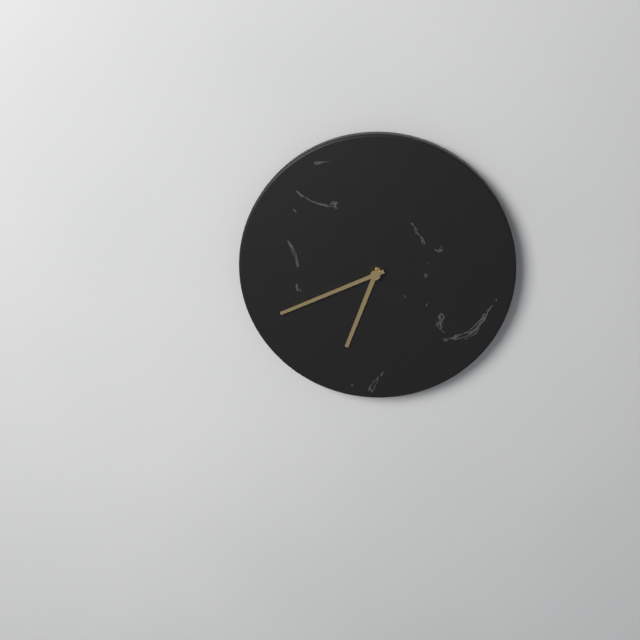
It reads 6h41
